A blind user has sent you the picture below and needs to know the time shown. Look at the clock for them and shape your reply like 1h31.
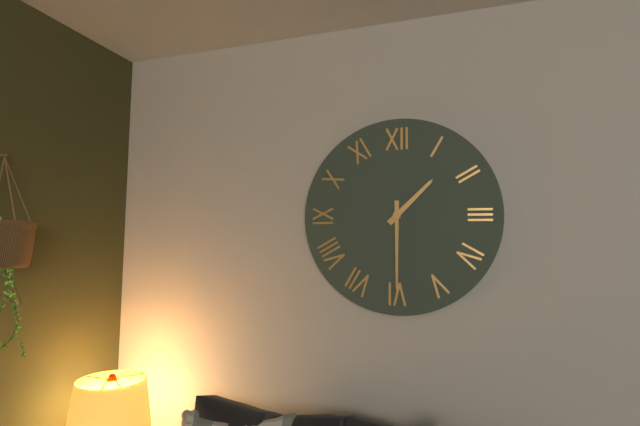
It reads 1h30
